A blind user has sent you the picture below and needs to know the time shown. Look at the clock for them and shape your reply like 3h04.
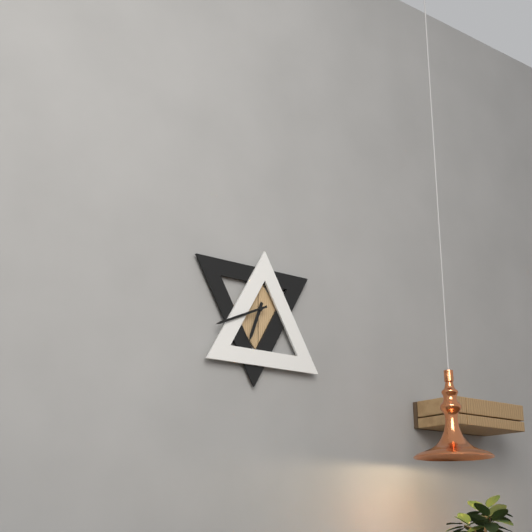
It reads 6h41
